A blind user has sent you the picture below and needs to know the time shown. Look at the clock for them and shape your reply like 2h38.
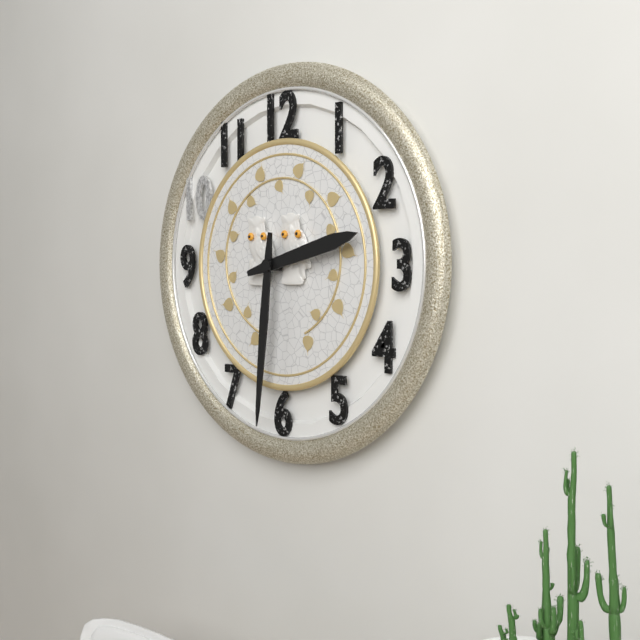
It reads 2h31
